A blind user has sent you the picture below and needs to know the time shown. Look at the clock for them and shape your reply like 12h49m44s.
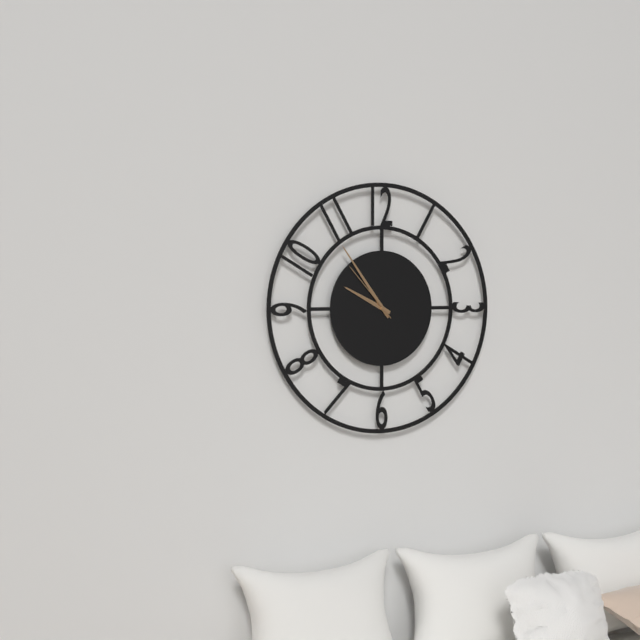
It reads 9h54m53s
